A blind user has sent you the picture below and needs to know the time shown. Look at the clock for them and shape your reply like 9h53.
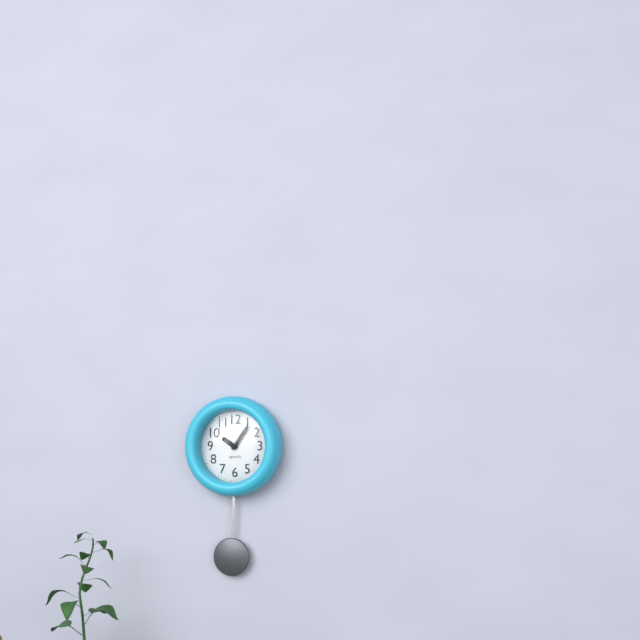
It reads 10h06
